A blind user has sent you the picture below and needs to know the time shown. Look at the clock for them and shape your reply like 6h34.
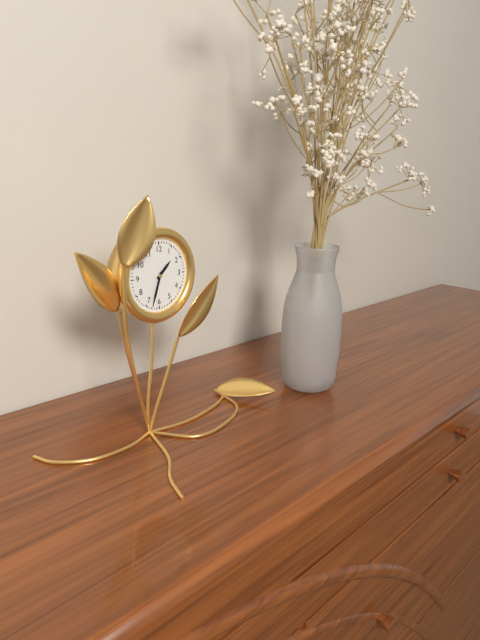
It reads 1h33
